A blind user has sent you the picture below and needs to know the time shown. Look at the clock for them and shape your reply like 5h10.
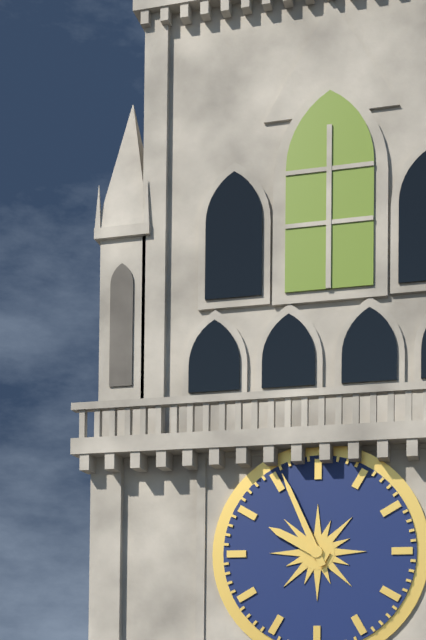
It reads 9h56
